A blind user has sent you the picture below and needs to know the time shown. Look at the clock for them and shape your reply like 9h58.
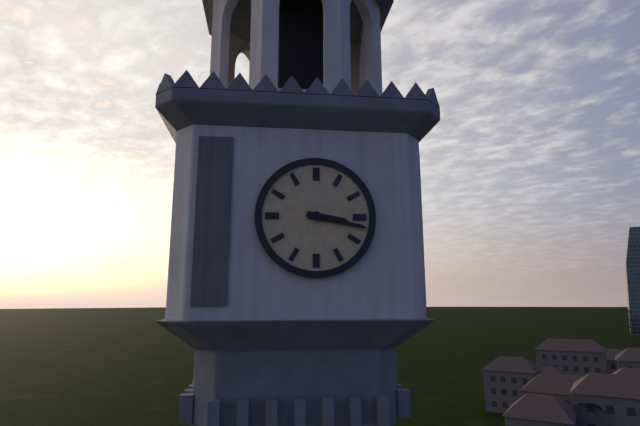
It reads 3h17
